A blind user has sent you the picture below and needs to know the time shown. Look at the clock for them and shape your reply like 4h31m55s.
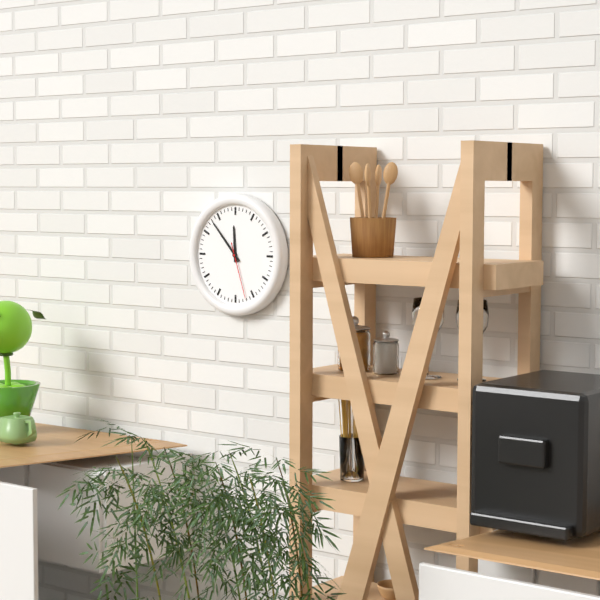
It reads 11h53m27s
